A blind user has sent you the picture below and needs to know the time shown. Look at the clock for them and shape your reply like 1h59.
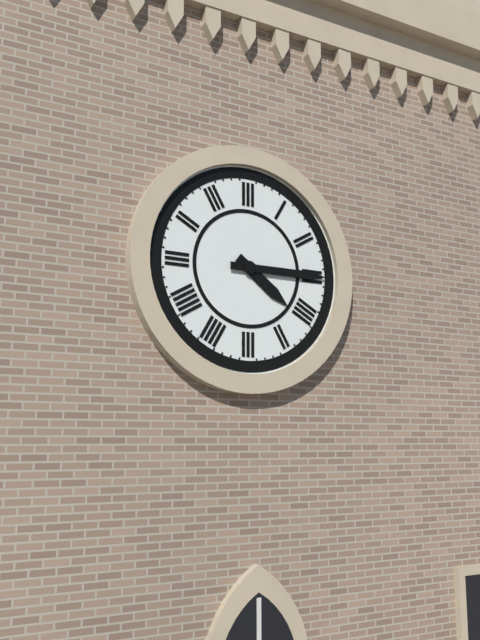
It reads 4h15
